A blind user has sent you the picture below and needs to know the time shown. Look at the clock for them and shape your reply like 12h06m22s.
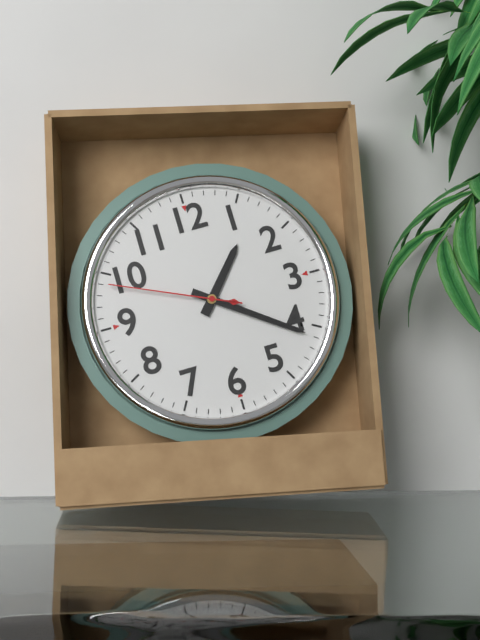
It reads 1h21m49s
